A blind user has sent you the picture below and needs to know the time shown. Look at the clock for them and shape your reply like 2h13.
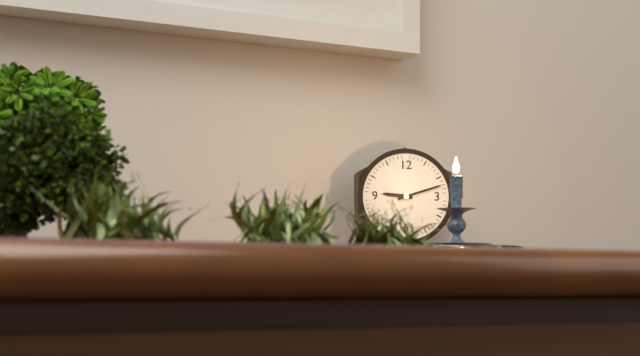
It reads 9h12
